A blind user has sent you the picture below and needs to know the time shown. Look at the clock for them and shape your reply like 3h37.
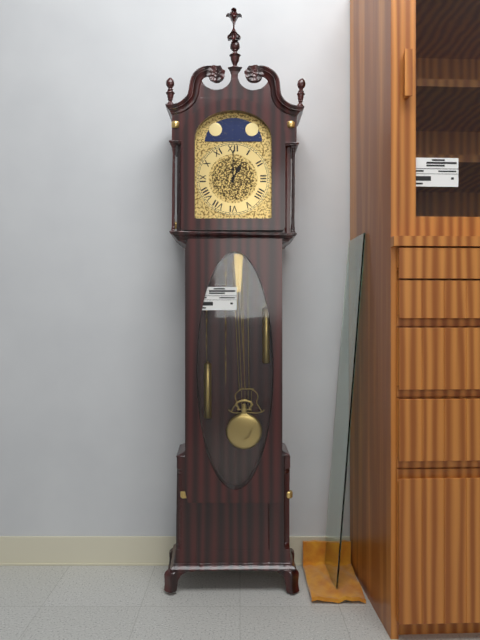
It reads 1h00
